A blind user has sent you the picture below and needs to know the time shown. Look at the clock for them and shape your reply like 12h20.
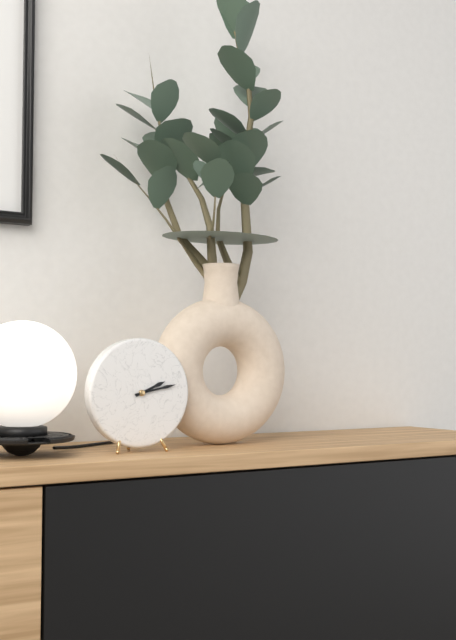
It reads 2h13
